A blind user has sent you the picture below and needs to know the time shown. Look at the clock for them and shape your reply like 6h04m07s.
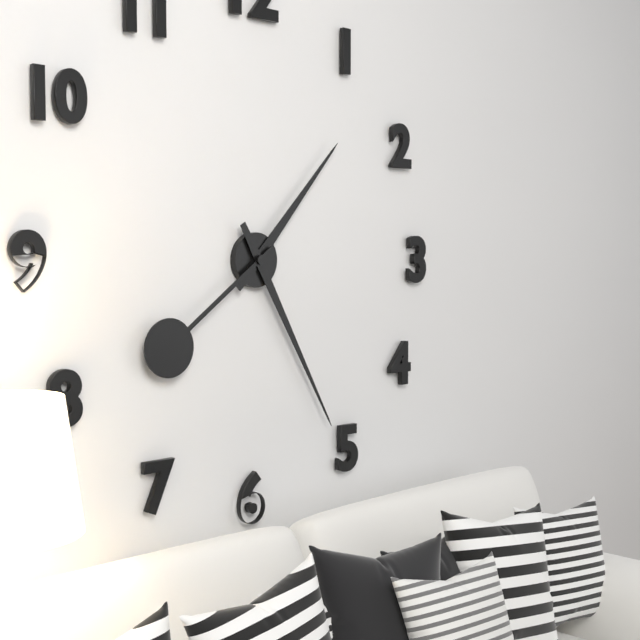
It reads 1h25m39s
